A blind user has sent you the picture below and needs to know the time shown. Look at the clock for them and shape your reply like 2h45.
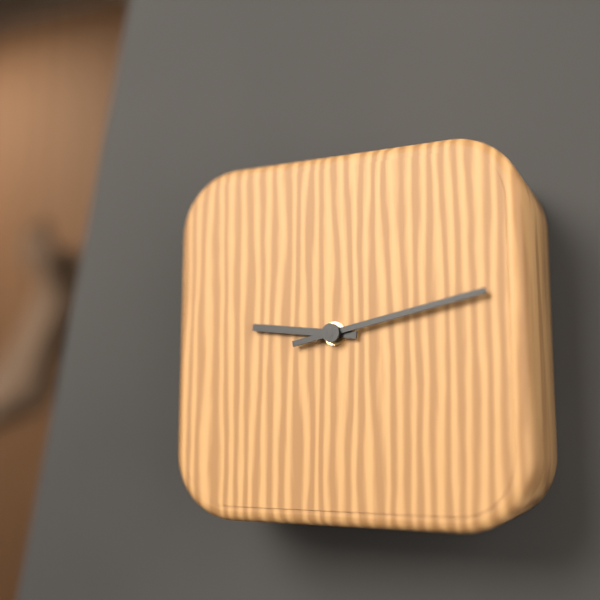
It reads 9h13
